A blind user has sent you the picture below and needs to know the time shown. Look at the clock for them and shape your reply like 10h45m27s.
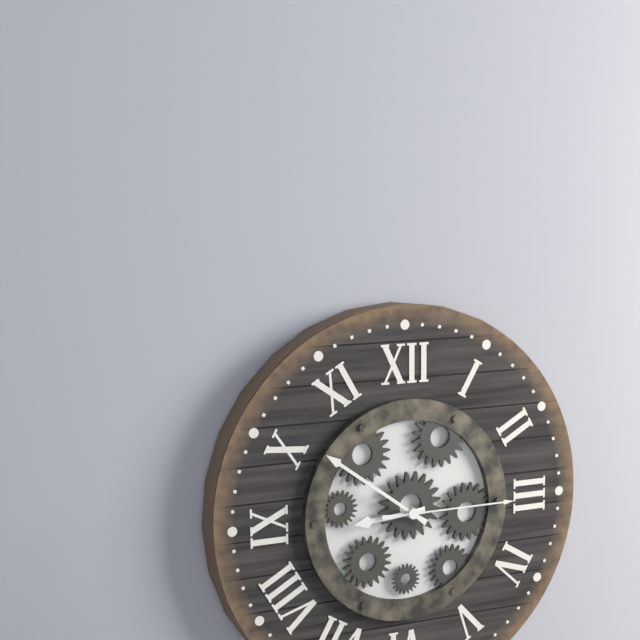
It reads 8h51m15s
